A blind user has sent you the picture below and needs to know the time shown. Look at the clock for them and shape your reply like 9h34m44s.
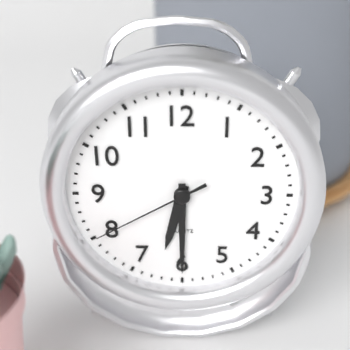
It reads 6h30m40s
